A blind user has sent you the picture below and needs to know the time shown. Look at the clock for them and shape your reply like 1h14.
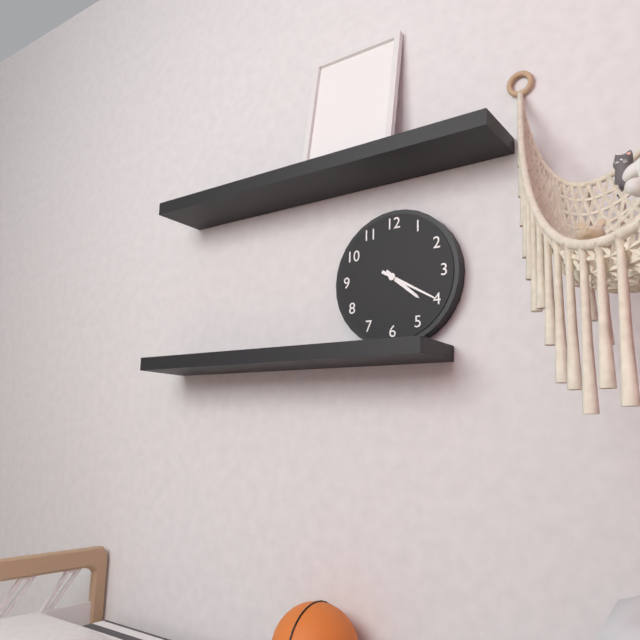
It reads 4h20
